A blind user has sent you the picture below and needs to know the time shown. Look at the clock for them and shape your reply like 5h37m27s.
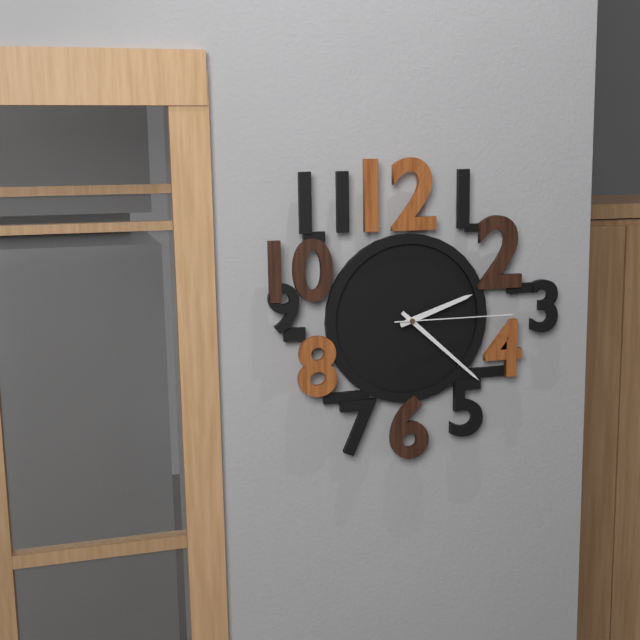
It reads 2h22m15s
